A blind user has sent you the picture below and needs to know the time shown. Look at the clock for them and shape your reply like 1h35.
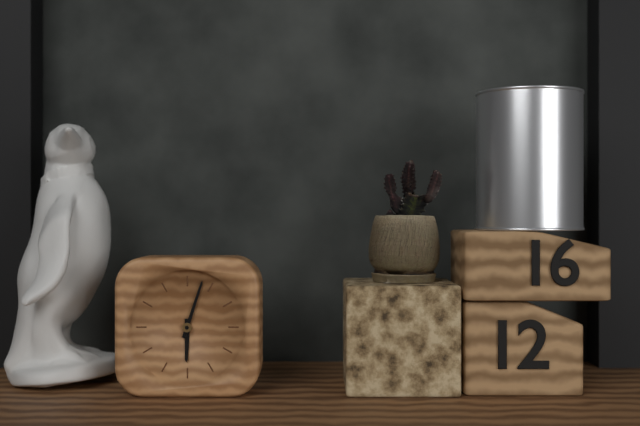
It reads 6h03
